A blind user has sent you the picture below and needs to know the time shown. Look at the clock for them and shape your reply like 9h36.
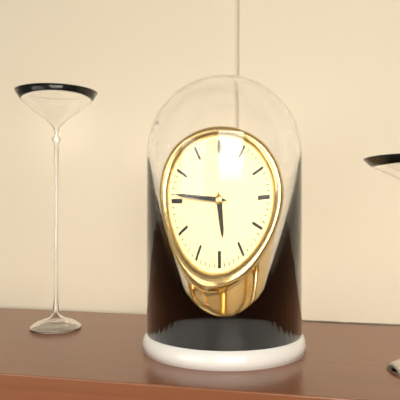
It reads 5h46
